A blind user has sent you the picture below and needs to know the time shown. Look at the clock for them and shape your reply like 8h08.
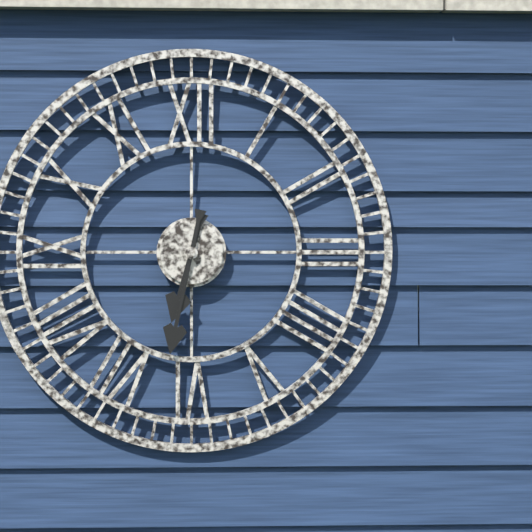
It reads 6h32
